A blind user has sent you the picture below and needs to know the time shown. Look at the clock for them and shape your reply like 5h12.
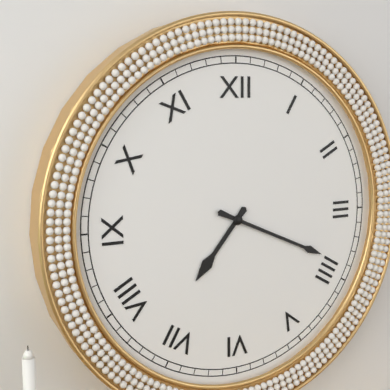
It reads 7h19
